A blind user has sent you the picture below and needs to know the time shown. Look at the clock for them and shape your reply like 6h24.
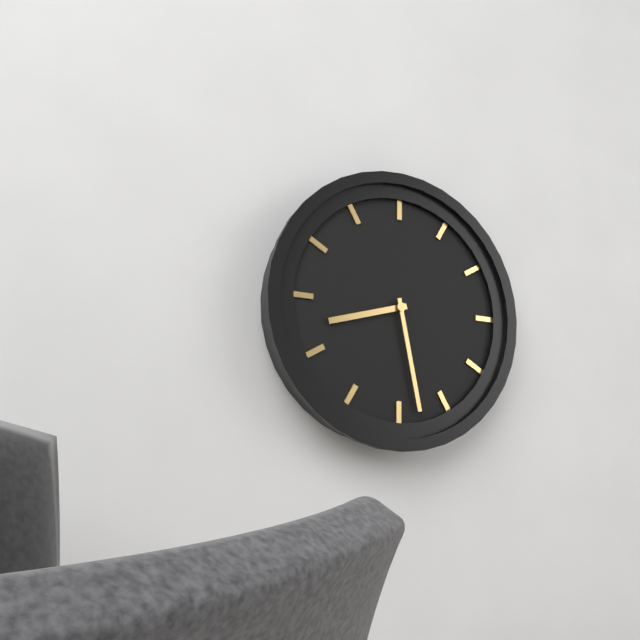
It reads 8h28
